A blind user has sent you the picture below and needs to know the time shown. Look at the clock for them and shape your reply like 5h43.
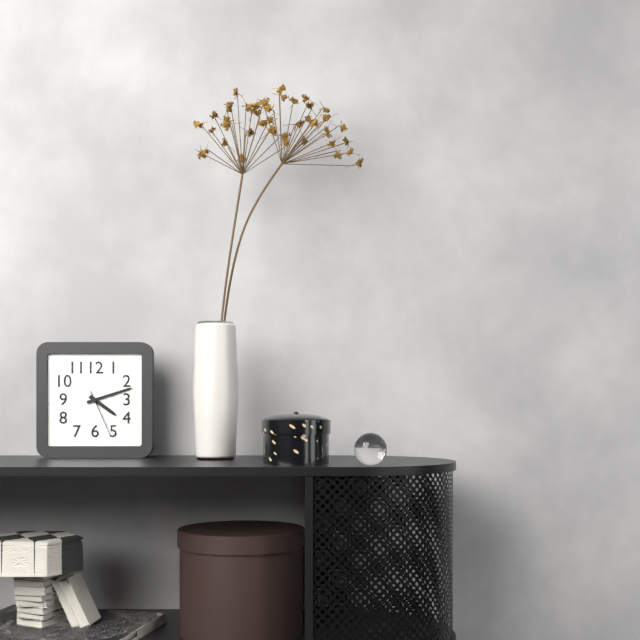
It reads 4h12
